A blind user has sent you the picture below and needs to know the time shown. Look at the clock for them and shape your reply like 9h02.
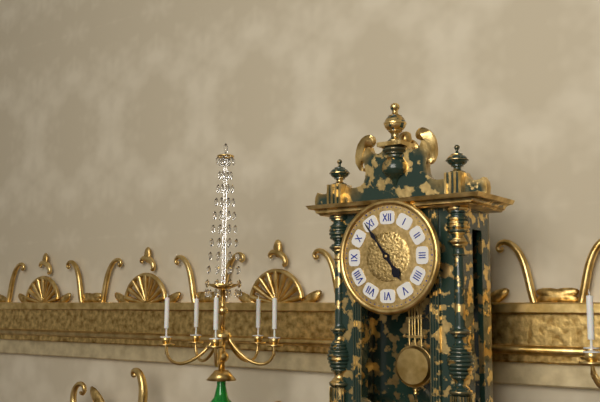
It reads 4h54
